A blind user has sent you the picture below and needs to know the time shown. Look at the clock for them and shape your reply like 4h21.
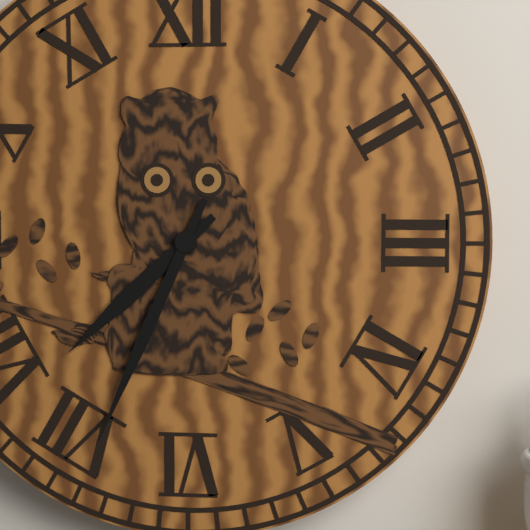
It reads 7h34
